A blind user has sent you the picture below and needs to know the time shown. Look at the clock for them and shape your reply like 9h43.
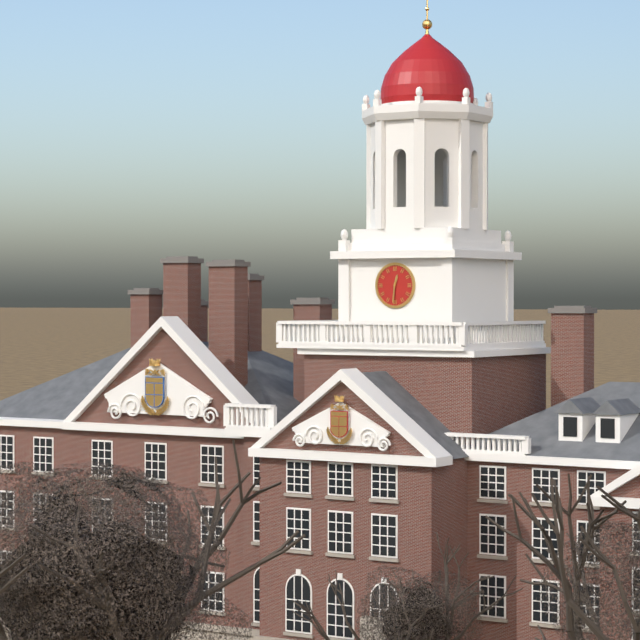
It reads 12h31
